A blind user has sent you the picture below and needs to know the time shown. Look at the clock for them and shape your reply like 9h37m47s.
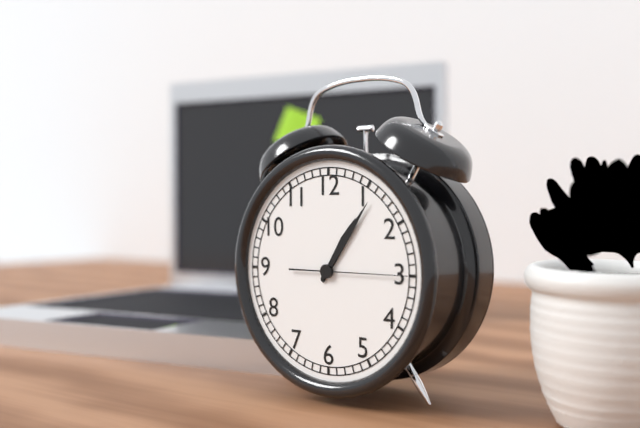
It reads 1h06m15s
